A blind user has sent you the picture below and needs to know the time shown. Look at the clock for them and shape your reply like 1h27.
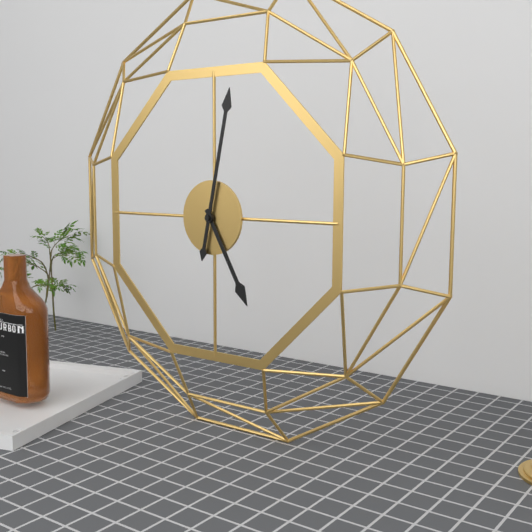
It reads 5h02
